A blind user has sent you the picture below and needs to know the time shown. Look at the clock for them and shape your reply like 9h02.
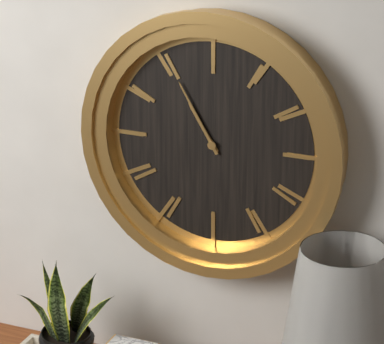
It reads 10h55
